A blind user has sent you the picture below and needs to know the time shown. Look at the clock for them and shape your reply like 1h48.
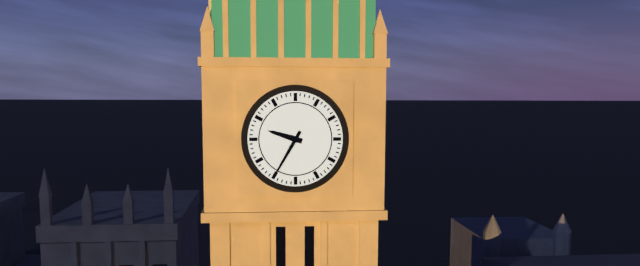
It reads 9h35
